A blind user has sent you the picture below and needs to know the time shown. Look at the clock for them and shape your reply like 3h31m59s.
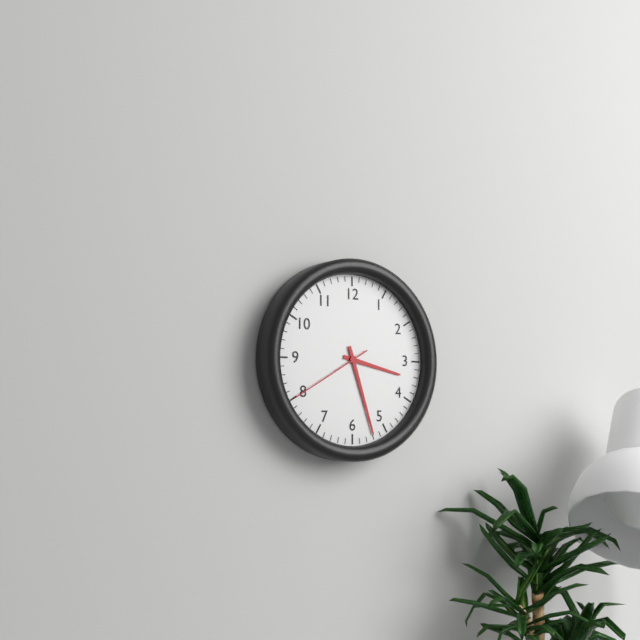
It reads 3h27m40s
